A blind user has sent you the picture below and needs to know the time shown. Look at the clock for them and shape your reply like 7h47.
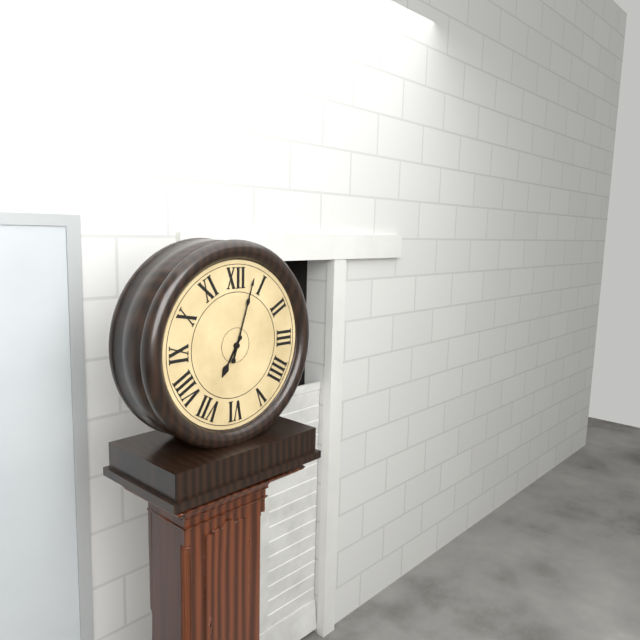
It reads 7h03
